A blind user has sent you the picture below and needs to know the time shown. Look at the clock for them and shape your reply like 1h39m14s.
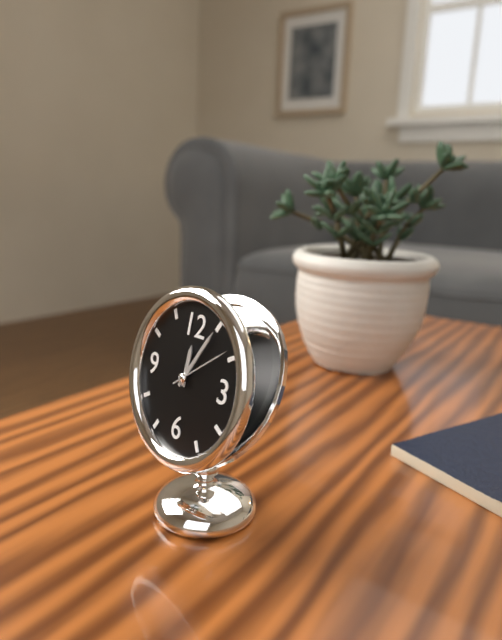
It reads 12h05m09s
